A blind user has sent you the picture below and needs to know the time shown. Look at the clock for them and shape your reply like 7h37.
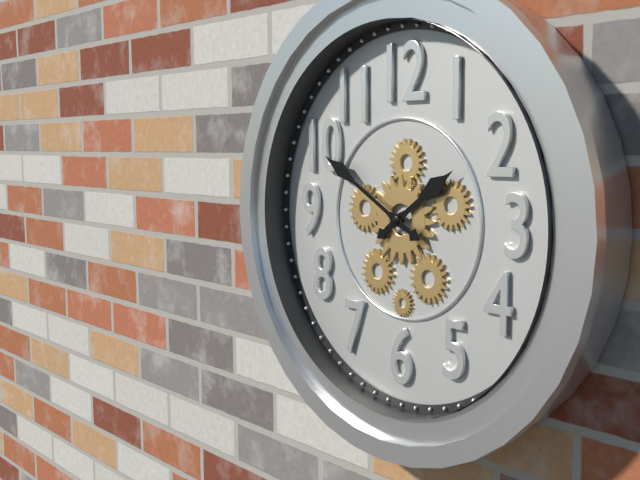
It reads 1h50
